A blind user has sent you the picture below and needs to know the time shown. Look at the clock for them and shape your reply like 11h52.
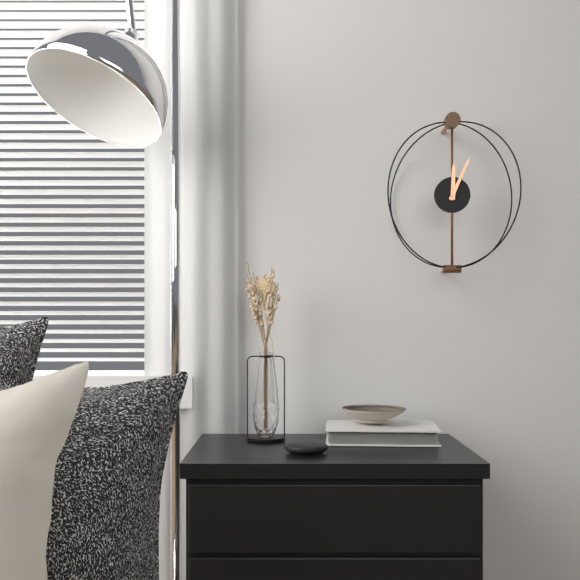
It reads 12h04
